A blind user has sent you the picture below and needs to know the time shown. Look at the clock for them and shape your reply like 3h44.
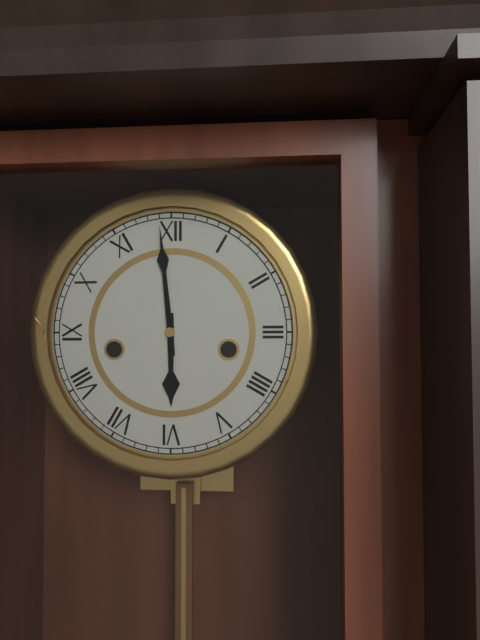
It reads 5h59
